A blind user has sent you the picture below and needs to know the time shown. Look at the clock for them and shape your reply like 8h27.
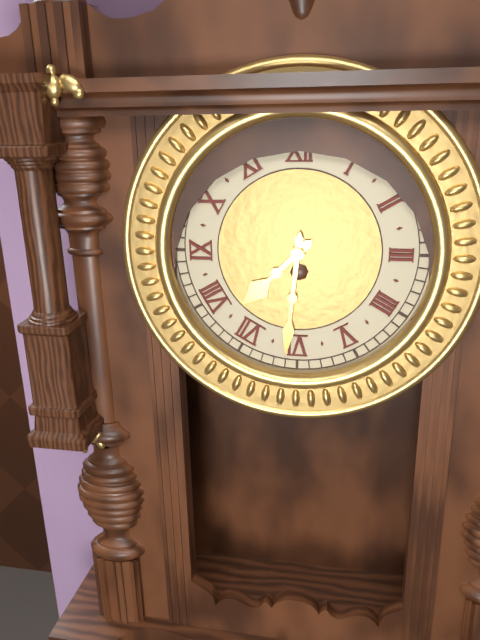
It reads 7h31
